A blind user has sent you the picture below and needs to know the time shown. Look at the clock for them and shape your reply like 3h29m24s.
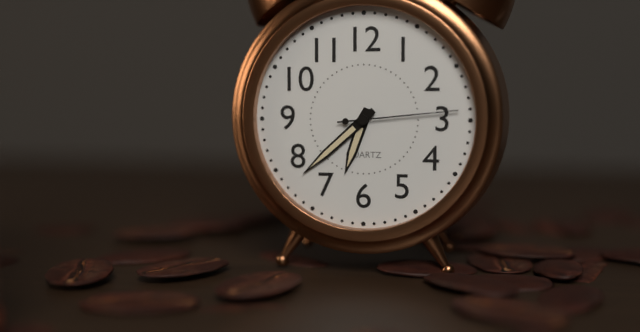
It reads 6h38m14s
